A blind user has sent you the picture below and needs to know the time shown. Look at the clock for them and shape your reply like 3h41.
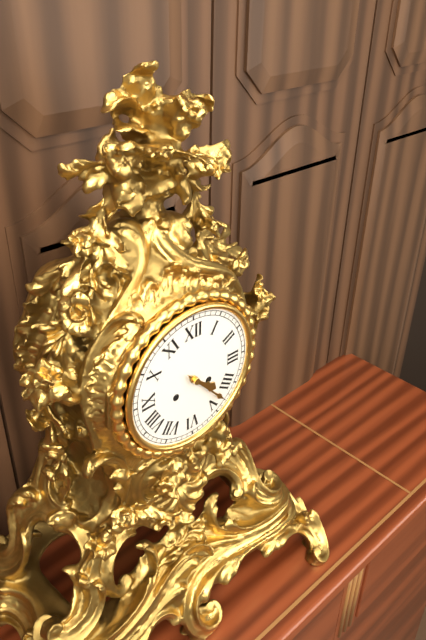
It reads 4h23
